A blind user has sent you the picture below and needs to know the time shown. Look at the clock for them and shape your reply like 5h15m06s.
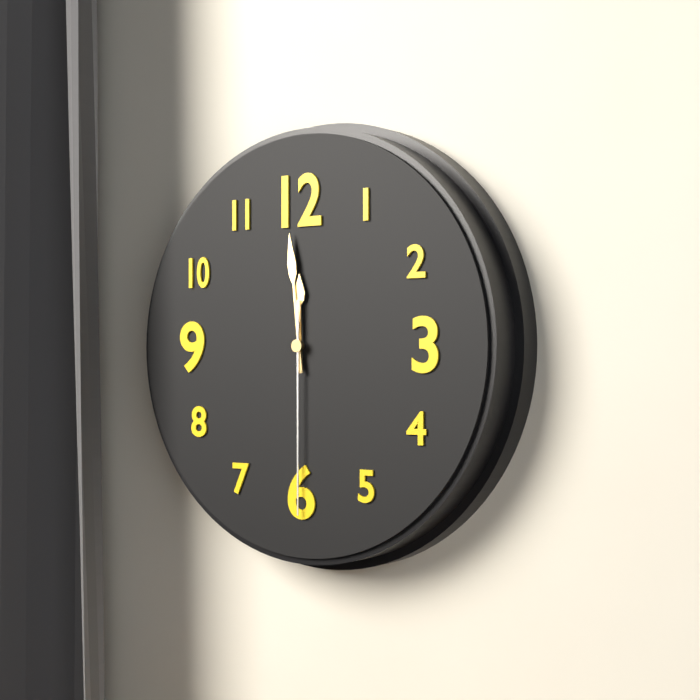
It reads 11h59m30s
